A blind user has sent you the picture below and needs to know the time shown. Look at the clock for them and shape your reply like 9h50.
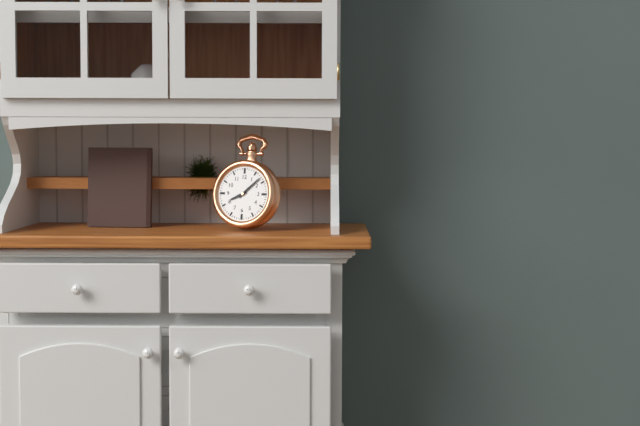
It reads 8h08
